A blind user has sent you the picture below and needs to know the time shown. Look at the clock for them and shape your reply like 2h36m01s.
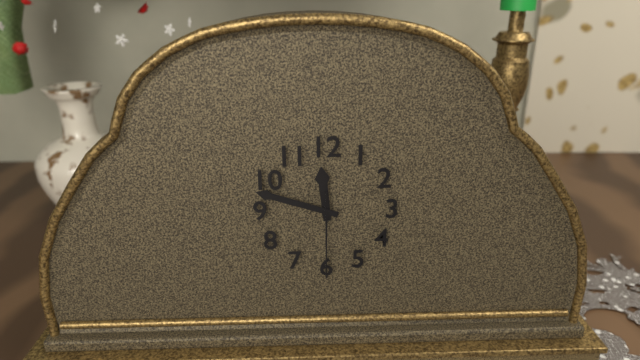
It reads 11h48m30s
